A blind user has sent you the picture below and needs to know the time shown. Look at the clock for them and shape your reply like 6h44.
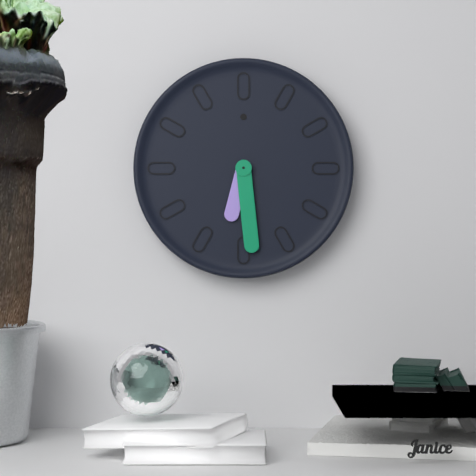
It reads 6h29
